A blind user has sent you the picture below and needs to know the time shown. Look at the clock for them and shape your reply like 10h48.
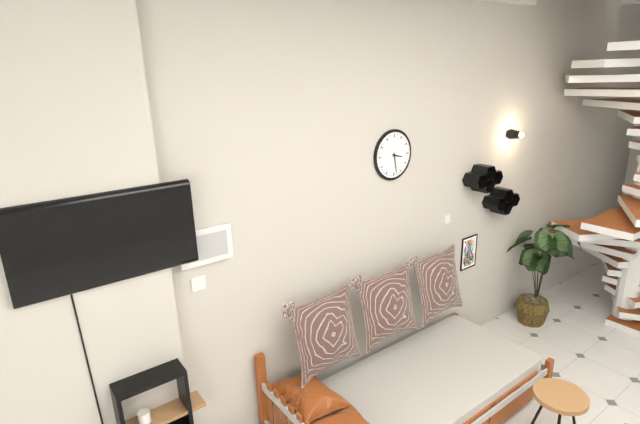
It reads 3h28
